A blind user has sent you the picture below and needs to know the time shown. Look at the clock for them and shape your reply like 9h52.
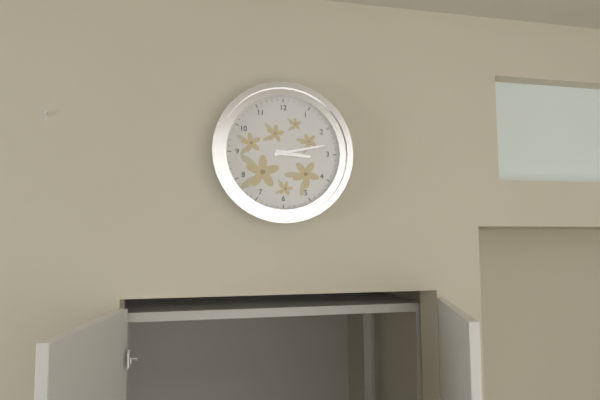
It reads 3h13
